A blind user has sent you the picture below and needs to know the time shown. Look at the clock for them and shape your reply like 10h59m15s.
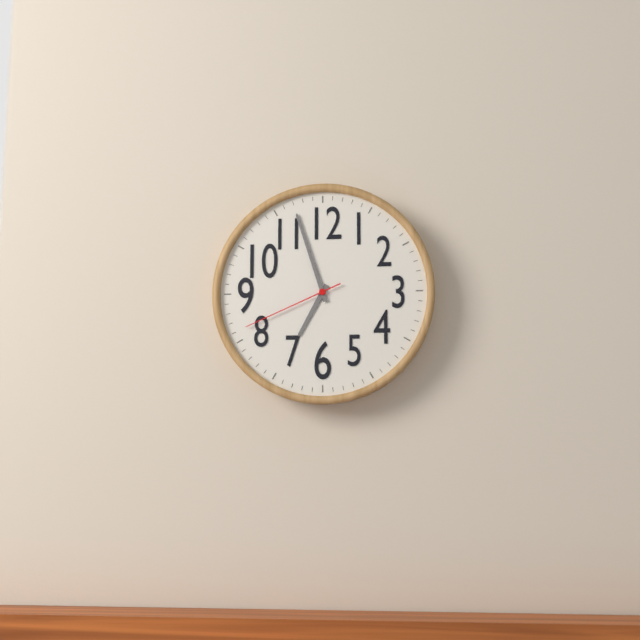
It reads 6h57m41s
